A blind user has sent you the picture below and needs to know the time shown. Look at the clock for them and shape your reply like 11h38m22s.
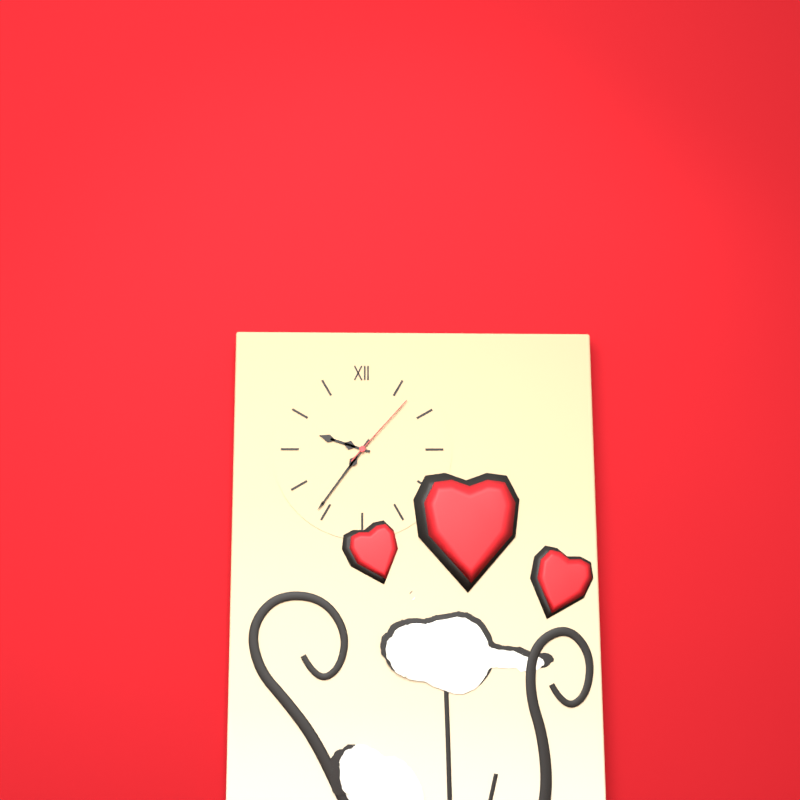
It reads 9h36m07s
